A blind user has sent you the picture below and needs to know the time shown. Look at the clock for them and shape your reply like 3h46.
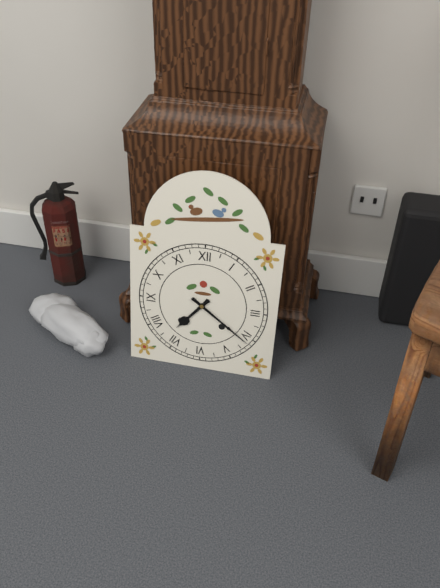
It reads 7h21
